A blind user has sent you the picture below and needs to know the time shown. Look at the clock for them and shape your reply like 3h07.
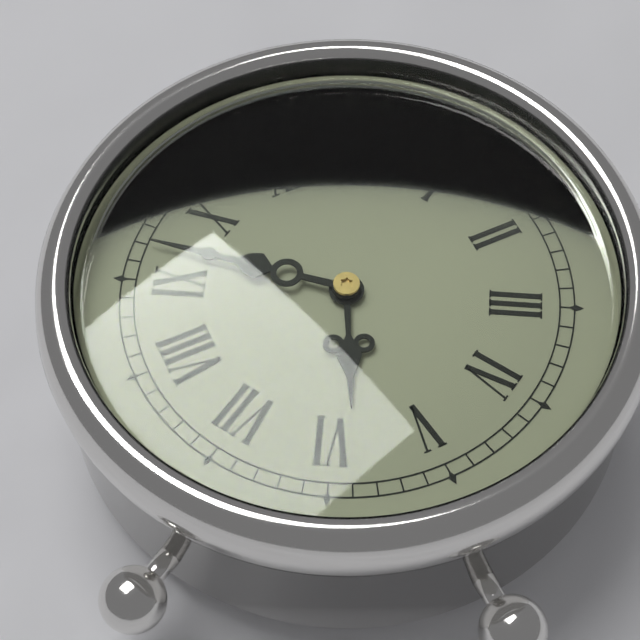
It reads 5h47
